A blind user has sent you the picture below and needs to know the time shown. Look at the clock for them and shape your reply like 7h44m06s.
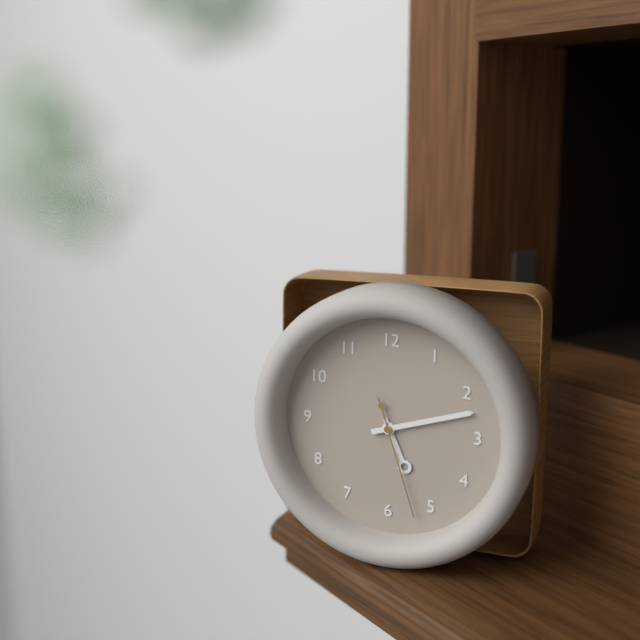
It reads 5h12m27s
